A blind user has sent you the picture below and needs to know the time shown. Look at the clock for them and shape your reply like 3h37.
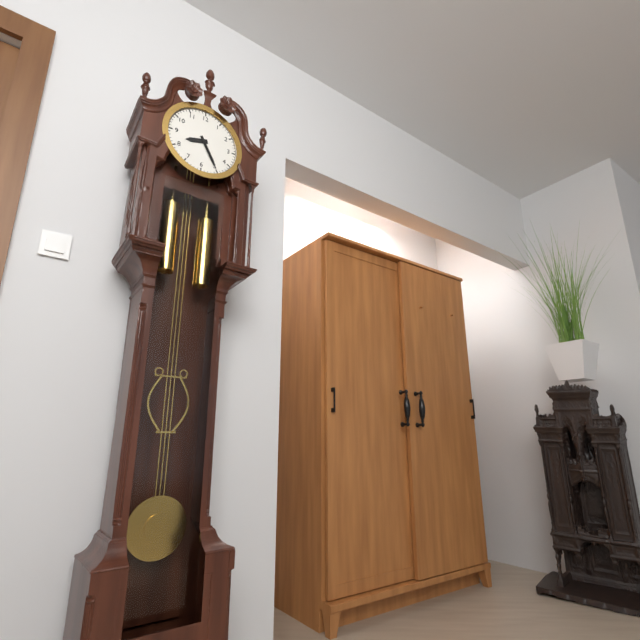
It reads 8h25
